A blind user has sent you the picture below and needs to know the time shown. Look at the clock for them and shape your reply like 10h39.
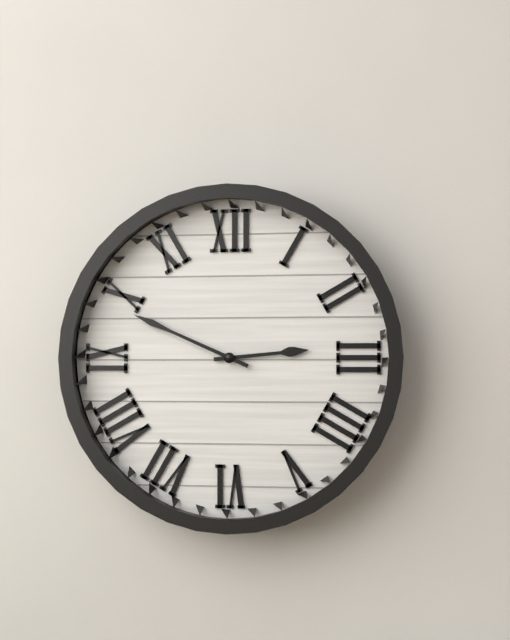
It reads 2h49
